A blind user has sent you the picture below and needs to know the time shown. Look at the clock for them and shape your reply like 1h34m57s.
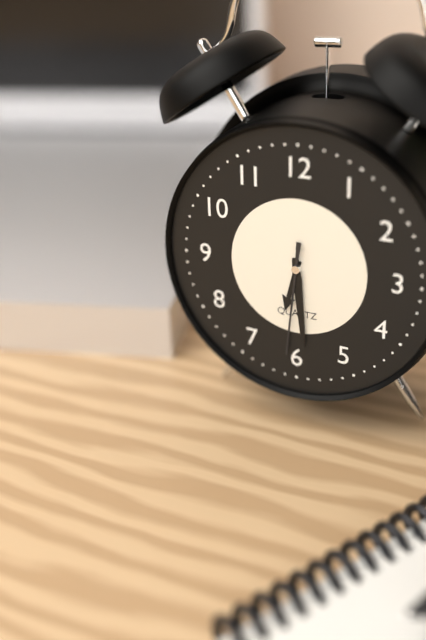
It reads 6h29m31s
